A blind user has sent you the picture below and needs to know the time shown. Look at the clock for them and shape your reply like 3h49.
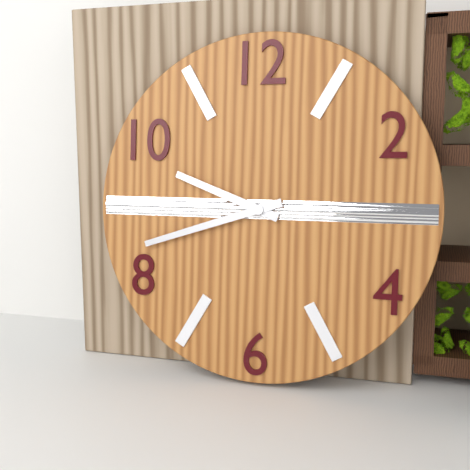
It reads 9h42
